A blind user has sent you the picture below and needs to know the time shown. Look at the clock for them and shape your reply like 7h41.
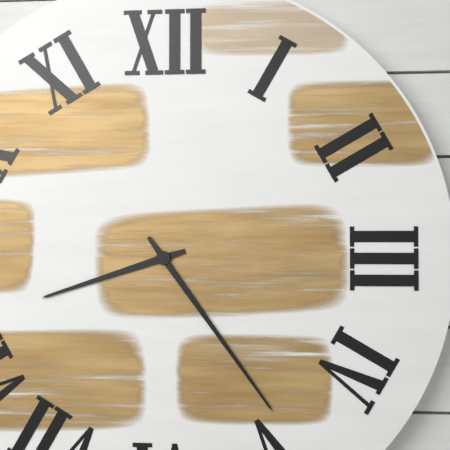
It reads 8h24
